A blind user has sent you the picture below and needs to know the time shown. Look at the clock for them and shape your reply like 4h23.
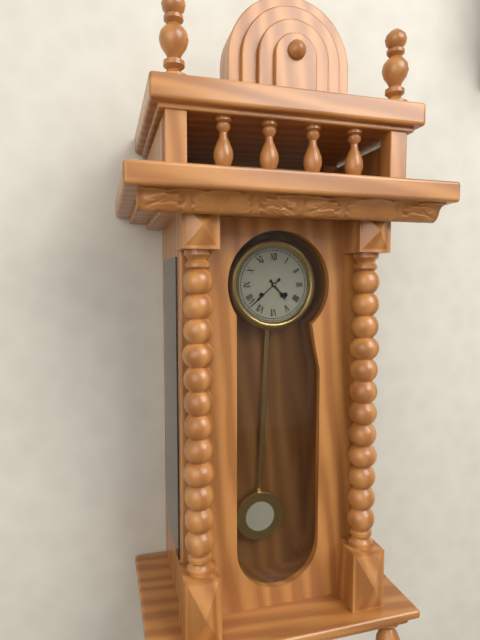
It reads 4h38
